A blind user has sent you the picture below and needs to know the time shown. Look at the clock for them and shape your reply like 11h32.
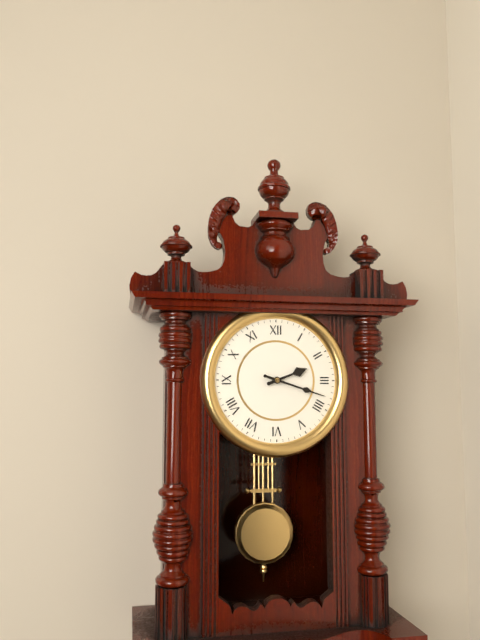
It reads 2h18
